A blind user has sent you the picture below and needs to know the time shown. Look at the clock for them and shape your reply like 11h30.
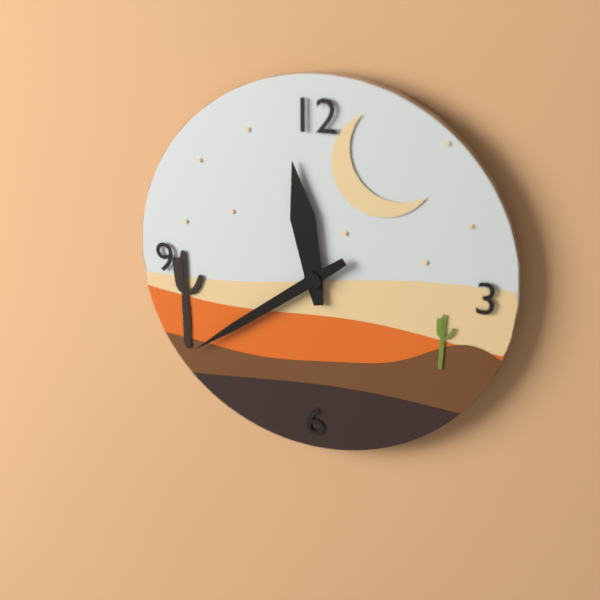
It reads 11h39
